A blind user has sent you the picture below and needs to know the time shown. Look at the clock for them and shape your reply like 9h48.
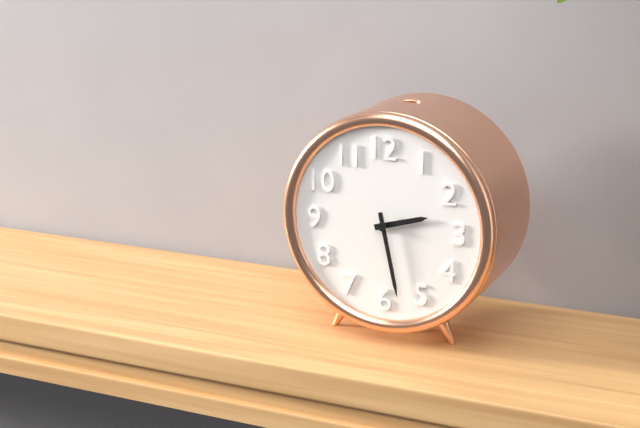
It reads 2h28
